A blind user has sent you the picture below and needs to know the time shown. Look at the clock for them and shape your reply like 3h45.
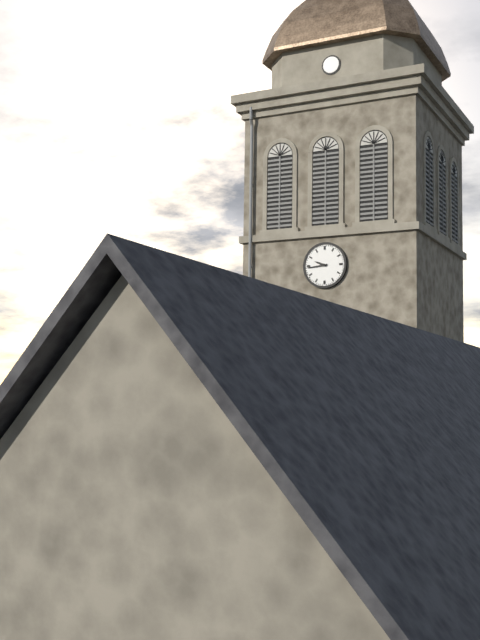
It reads 9h44
